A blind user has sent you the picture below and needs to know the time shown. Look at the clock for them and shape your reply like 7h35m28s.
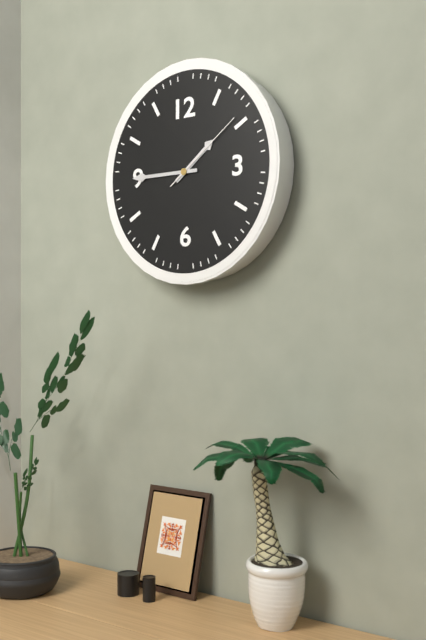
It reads 1h45m09s
